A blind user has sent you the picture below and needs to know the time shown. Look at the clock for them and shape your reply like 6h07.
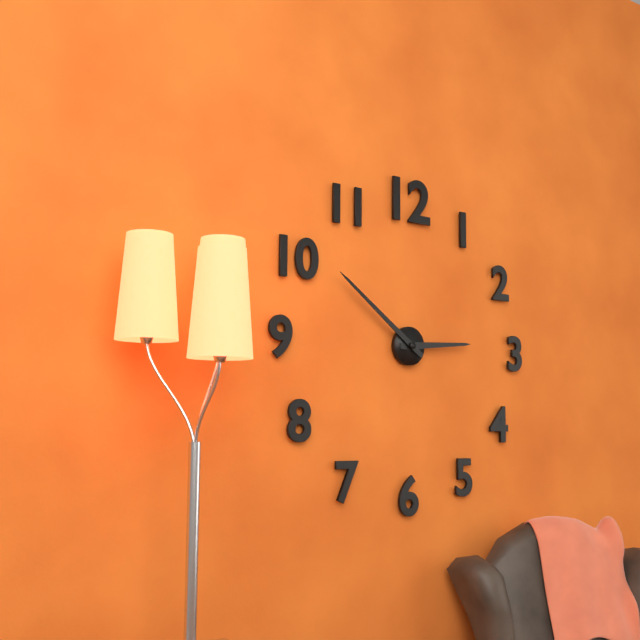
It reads 2h51
